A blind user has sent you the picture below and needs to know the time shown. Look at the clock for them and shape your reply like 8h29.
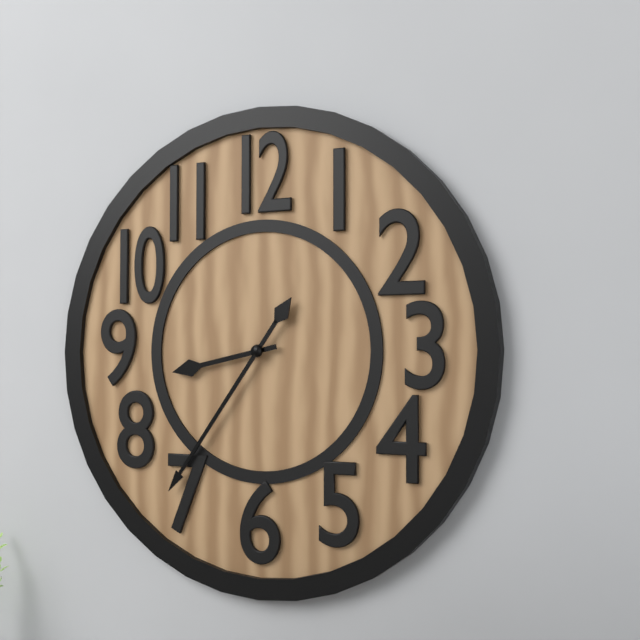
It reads 8h36
